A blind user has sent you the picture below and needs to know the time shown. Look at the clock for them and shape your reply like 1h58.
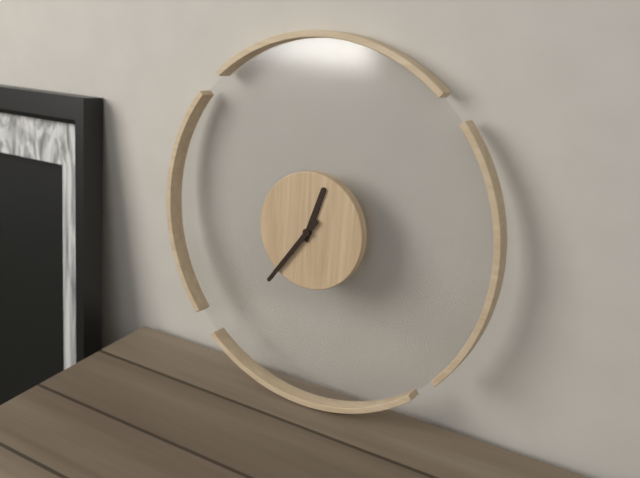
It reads 12h36
